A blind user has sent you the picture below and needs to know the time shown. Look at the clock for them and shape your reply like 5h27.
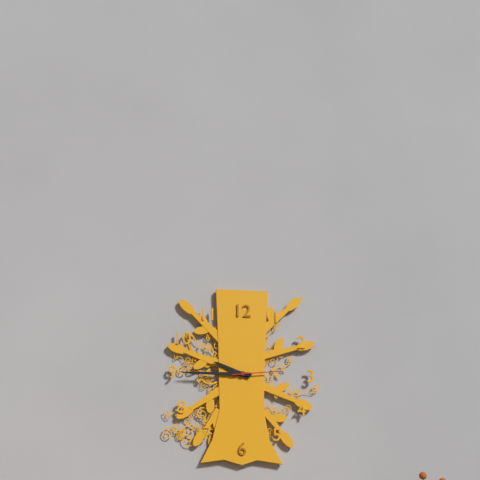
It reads 9h45
